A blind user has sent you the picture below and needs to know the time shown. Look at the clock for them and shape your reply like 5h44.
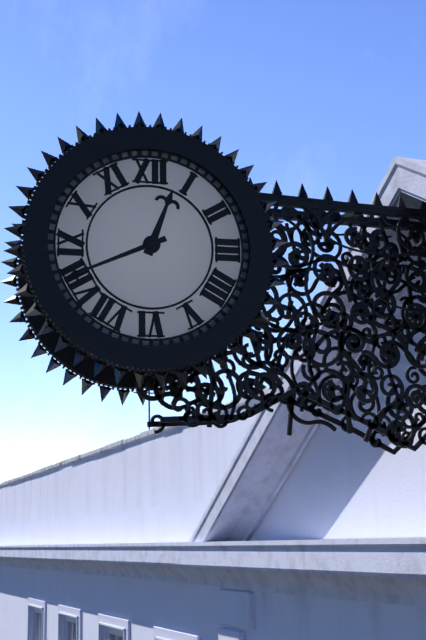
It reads 12h41
